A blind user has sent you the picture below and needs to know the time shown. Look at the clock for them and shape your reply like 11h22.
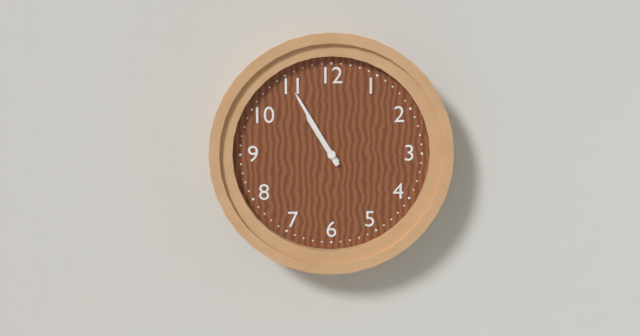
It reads 10h55
